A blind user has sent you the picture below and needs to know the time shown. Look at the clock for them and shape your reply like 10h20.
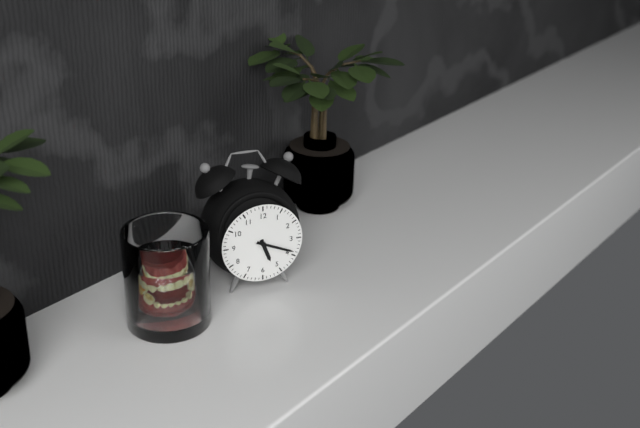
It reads 5h19
